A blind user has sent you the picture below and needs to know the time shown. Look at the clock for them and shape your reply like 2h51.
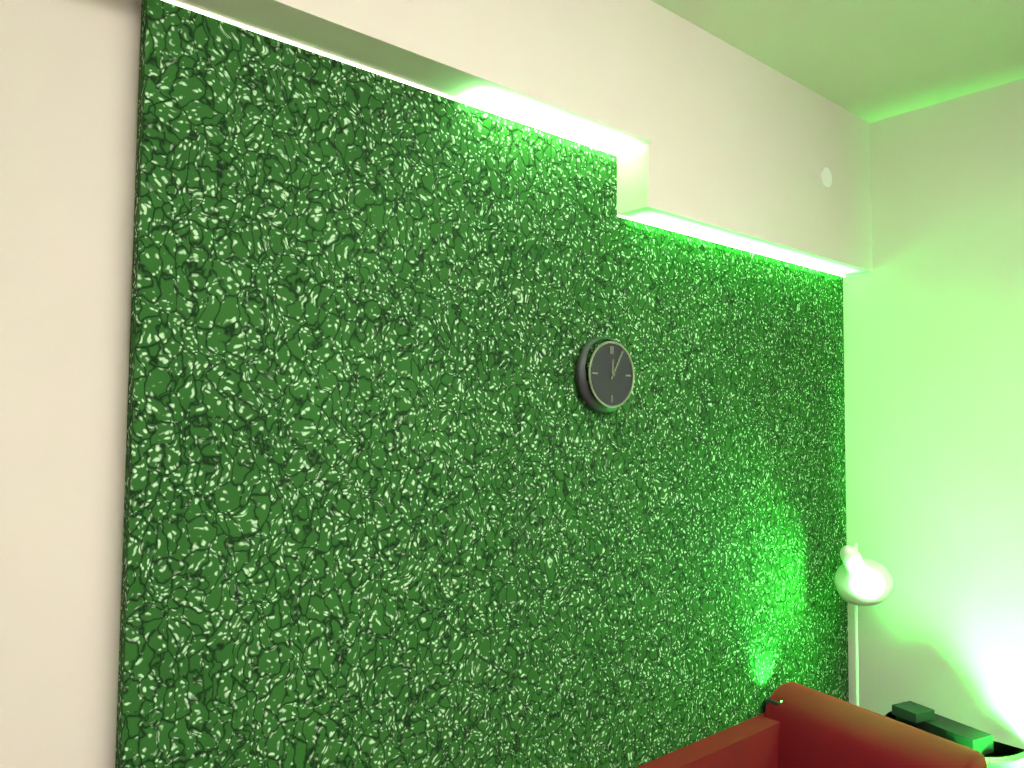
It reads 12h05
